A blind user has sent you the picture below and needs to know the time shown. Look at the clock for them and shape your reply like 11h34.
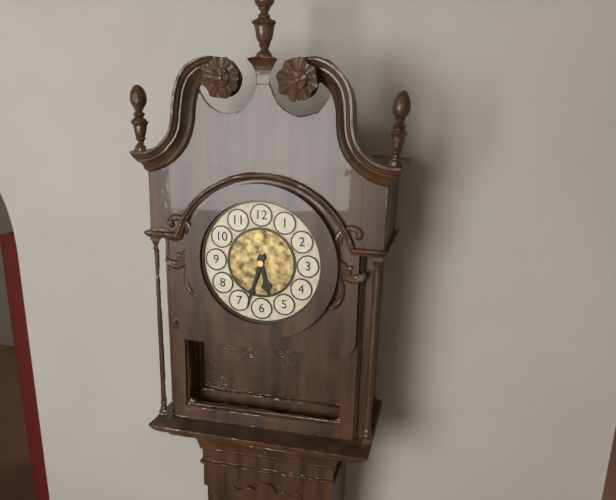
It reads 5h33
